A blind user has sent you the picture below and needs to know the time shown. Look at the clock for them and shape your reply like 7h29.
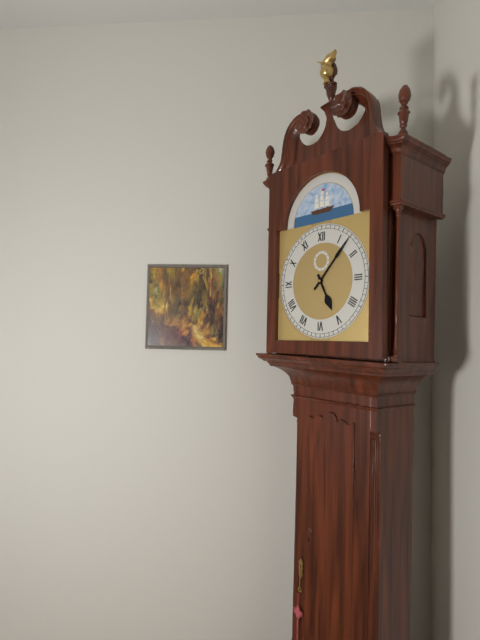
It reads 5h07
